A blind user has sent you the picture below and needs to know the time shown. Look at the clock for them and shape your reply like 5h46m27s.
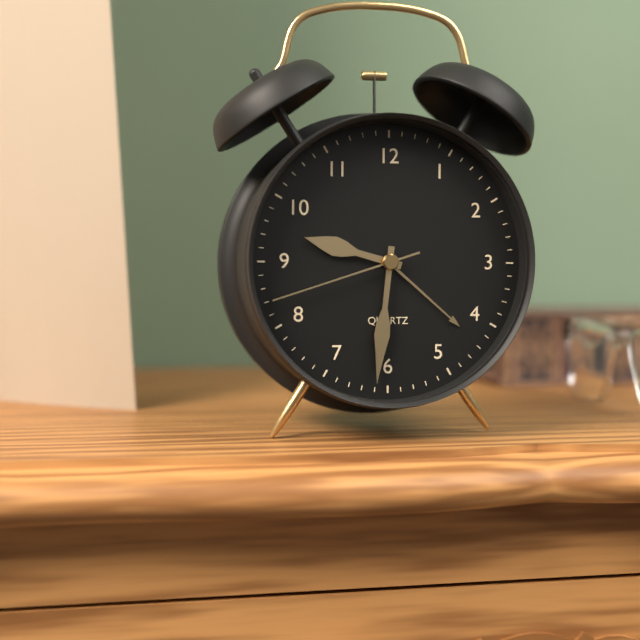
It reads 9h31m42s
